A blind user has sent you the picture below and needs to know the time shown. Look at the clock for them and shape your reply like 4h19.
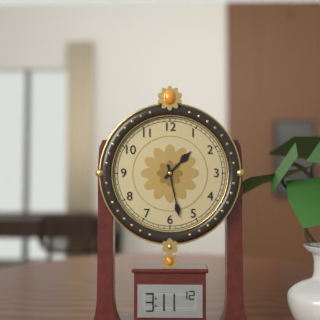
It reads 1h28
